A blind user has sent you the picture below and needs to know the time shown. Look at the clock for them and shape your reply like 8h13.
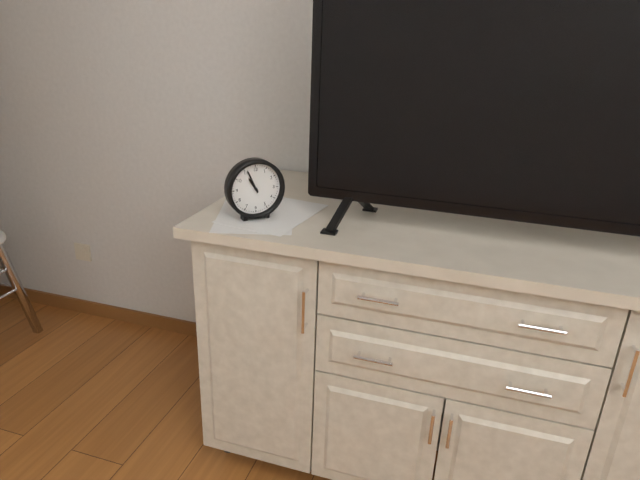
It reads 10h56
